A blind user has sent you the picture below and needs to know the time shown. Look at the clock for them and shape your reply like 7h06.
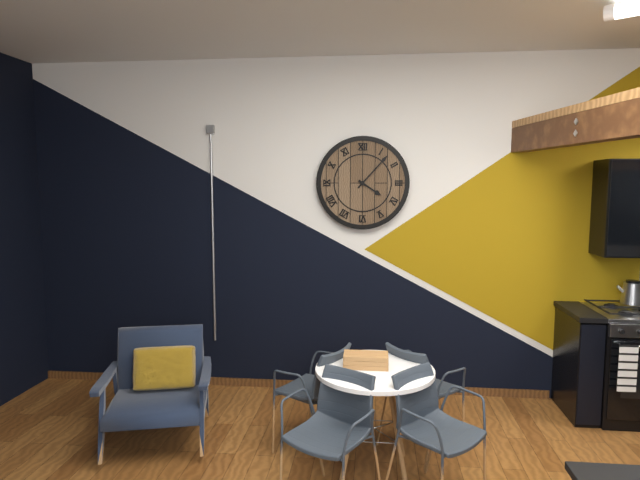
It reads 4h07
